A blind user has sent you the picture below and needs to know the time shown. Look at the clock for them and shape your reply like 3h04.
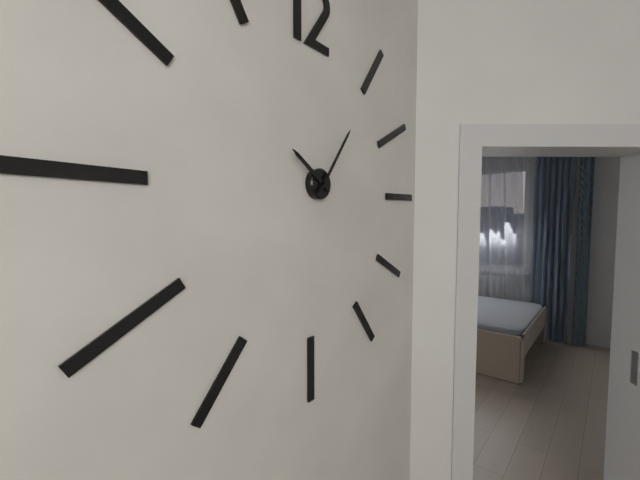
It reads 10h06
